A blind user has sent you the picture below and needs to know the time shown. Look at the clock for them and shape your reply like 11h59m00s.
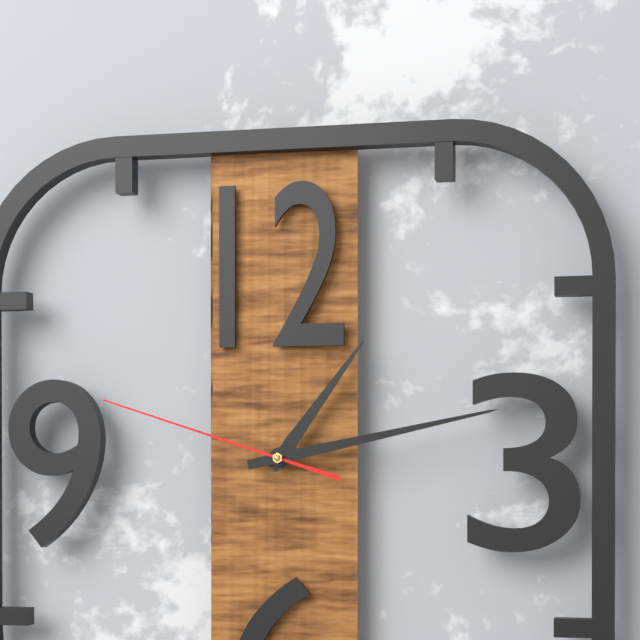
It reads 1h13m48s
